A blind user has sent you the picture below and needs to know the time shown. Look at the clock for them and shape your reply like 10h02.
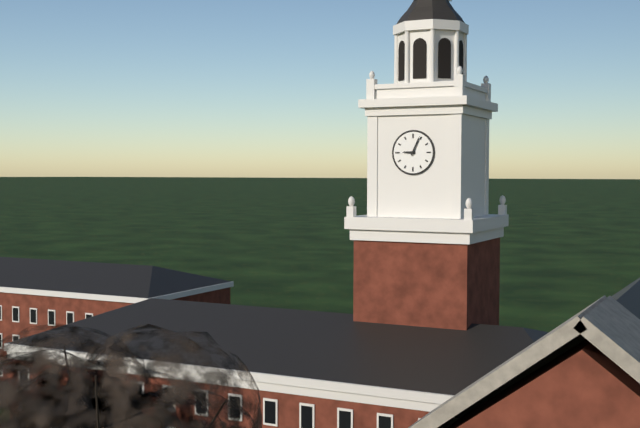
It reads 9h04
